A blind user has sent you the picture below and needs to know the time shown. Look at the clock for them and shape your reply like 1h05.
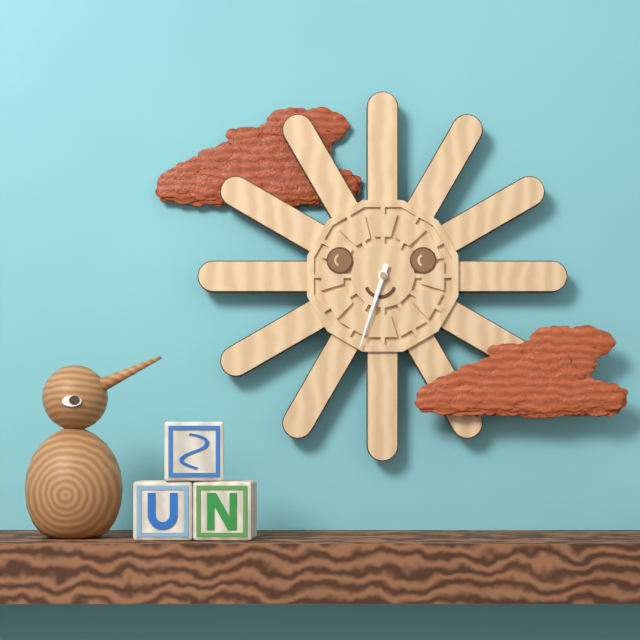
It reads 6h33
